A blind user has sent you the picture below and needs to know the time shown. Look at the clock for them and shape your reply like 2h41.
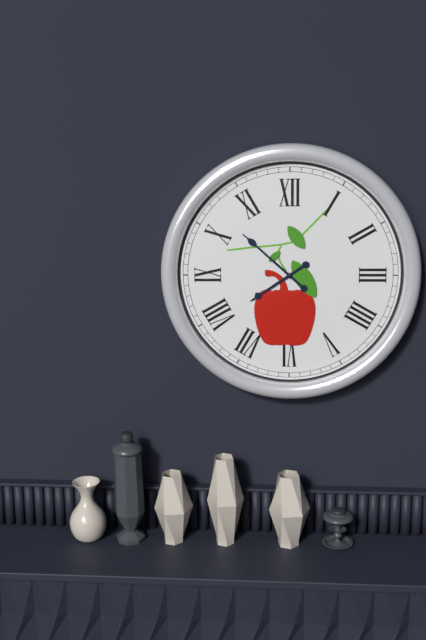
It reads 7h52
